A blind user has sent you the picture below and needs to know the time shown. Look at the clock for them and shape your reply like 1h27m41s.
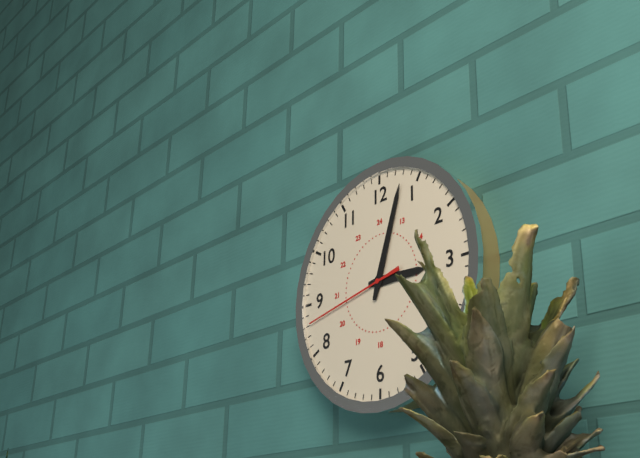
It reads 3h03m43s
